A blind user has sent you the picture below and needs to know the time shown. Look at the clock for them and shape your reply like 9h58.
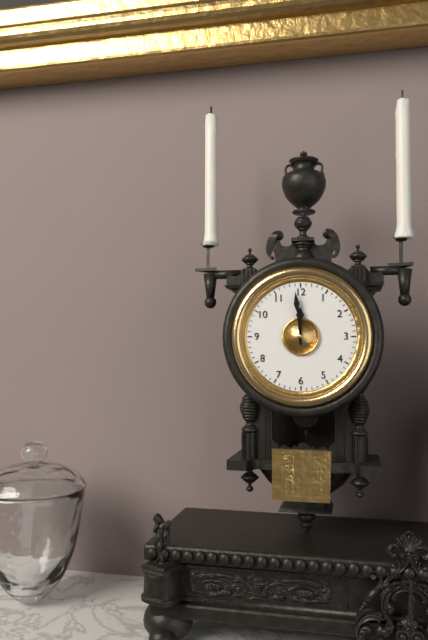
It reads 11h59
